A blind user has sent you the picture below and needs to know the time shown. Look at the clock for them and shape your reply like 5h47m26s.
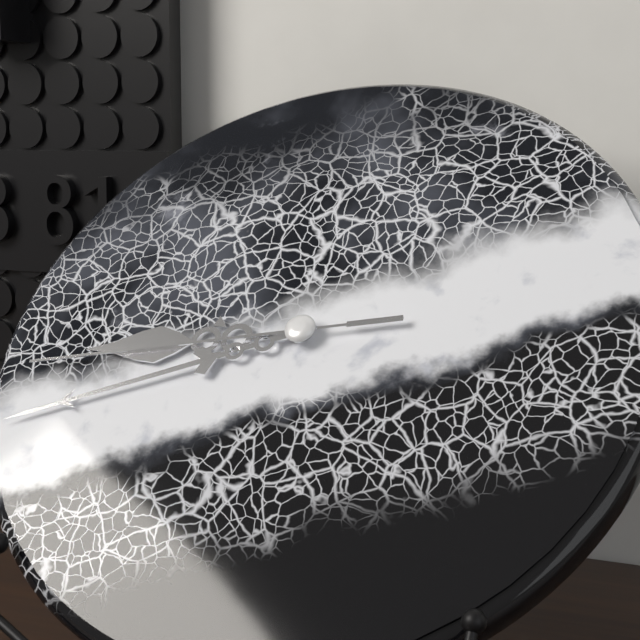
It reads 8h41m43s
